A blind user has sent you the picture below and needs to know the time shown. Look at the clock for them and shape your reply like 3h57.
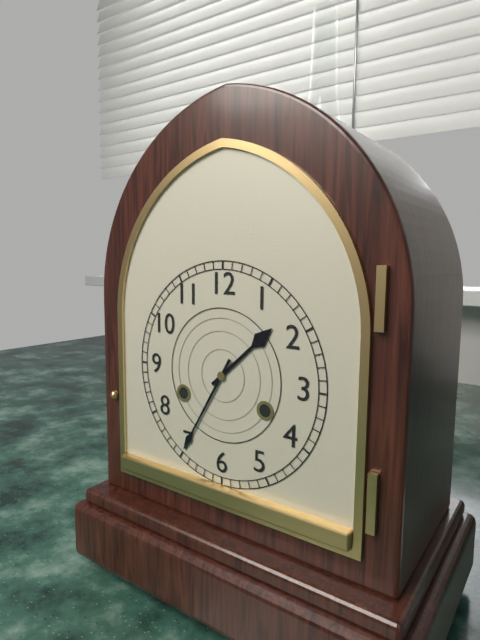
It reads 1h35
